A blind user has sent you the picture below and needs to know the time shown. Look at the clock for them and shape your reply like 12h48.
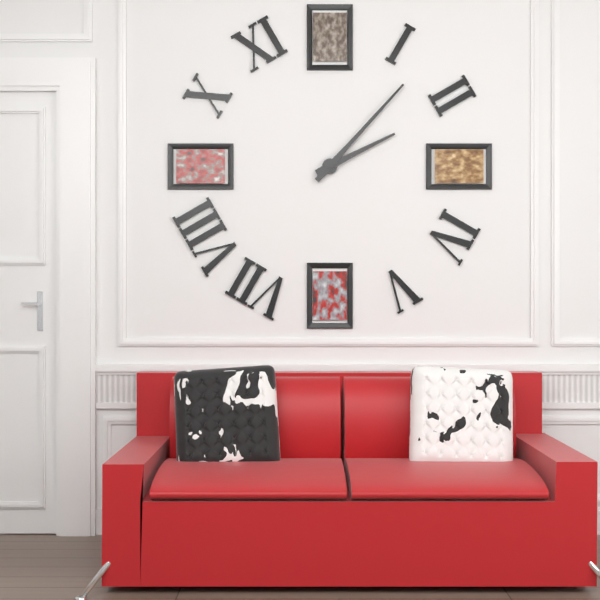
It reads 2h07
